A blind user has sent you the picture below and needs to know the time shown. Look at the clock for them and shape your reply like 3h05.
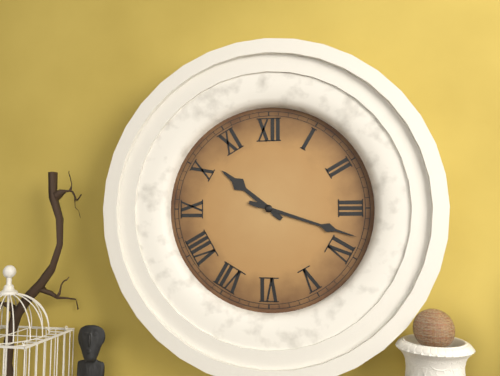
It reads 10h18
